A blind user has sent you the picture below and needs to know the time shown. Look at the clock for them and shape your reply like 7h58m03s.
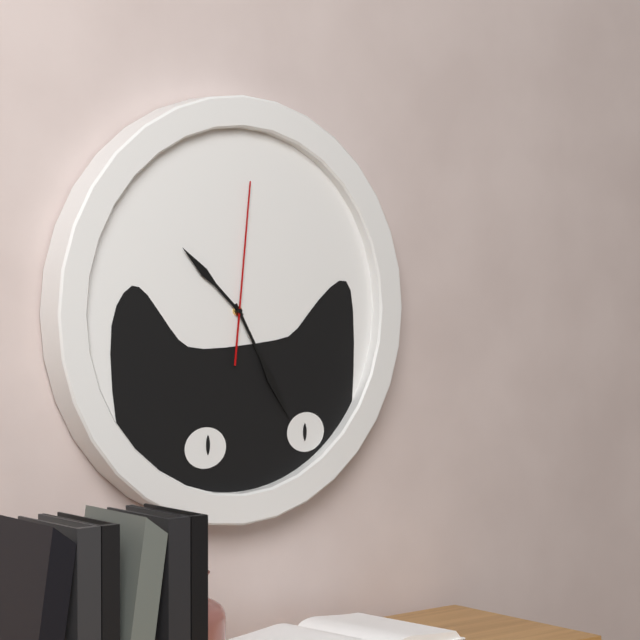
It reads 10h25m01s
